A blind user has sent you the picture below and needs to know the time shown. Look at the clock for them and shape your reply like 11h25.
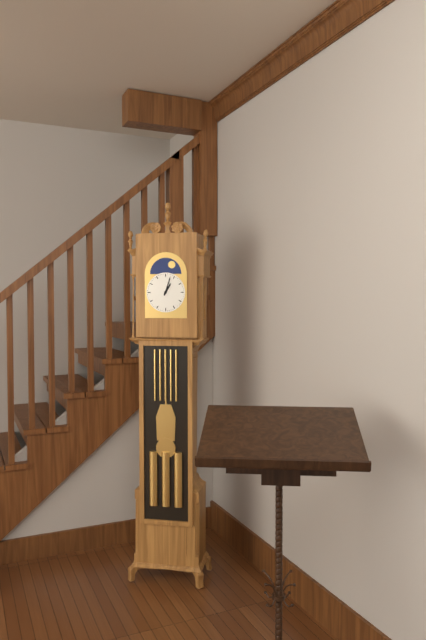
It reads 1h03
